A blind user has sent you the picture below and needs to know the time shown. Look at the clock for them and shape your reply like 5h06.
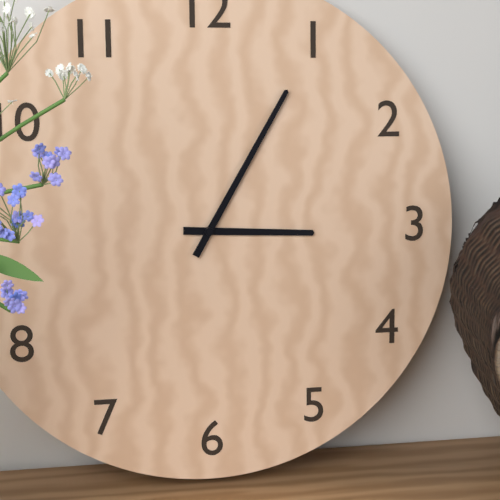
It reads 3h05
